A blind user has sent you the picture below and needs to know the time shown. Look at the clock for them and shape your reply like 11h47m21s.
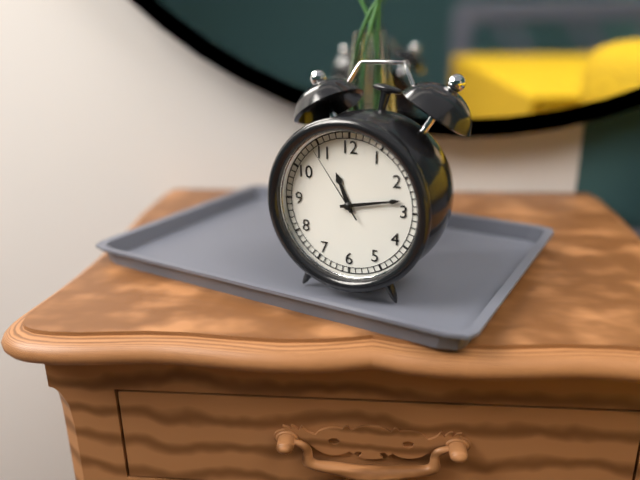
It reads 11h13m54s
